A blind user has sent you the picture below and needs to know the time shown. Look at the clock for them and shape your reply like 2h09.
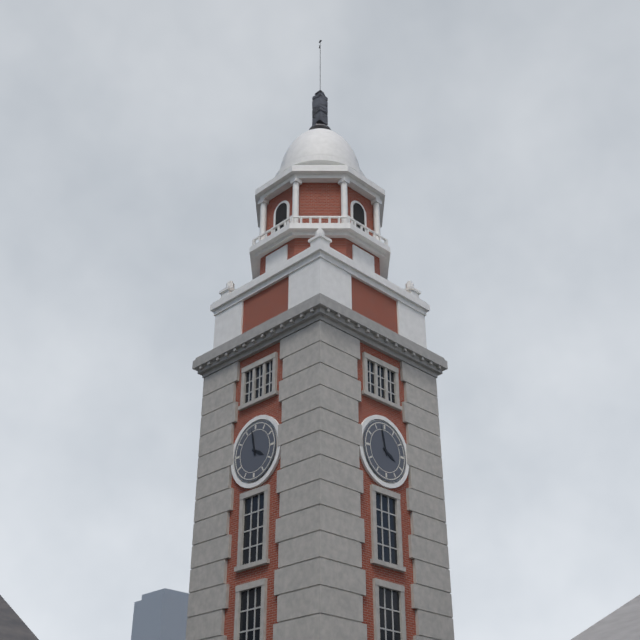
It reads 3h58
